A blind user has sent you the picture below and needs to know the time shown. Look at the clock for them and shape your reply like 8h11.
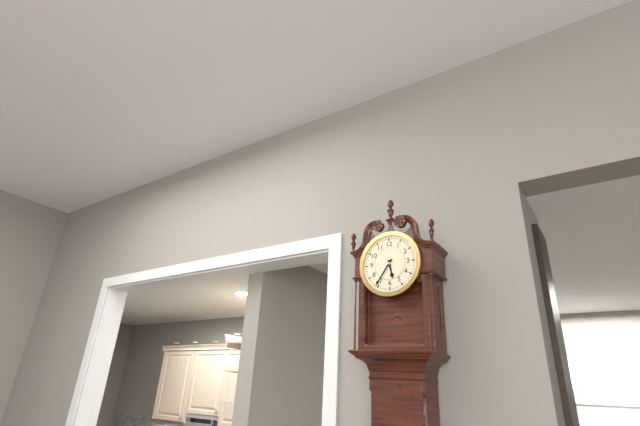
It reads 5h36
